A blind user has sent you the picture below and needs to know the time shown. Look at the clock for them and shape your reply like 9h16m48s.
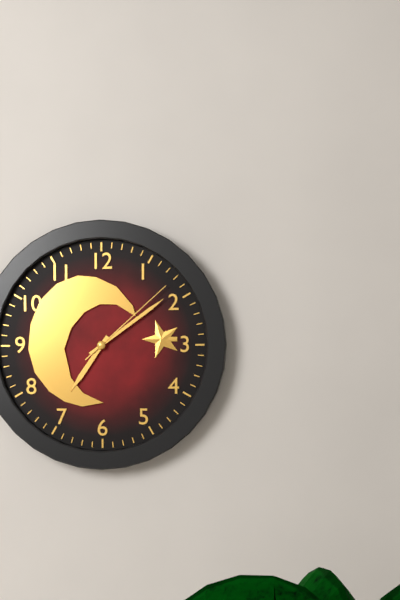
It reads 7h09m08s
